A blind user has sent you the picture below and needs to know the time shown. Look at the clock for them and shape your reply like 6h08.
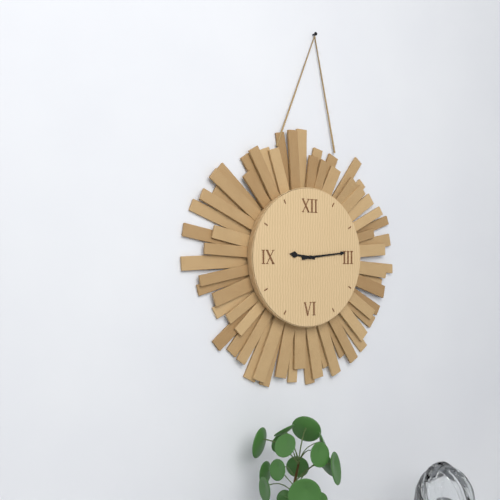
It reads 9h14
